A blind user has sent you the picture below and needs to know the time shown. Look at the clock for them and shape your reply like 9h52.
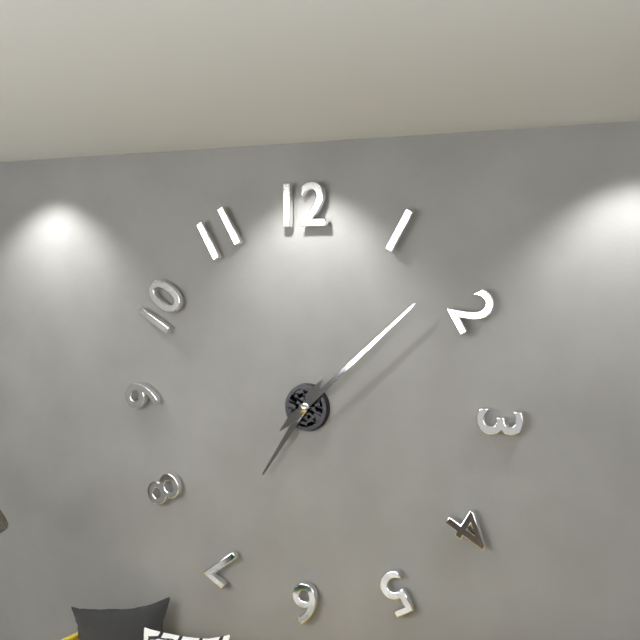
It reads 7h08
